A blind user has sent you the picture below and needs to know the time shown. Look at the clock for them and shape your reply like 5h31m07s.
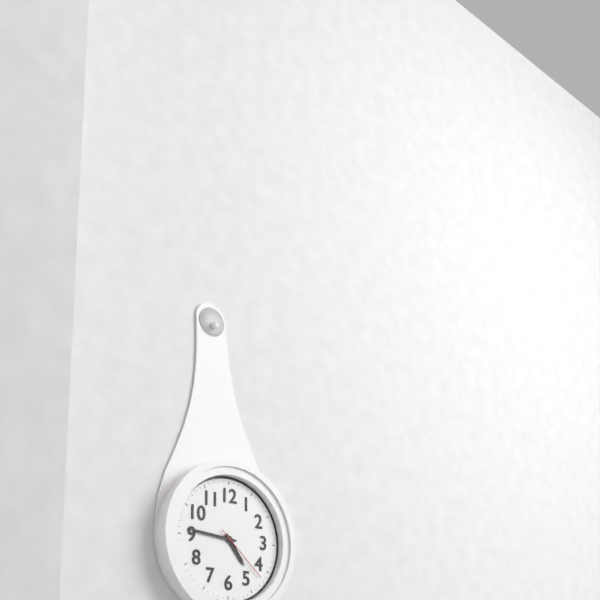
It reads 4h46m22s
